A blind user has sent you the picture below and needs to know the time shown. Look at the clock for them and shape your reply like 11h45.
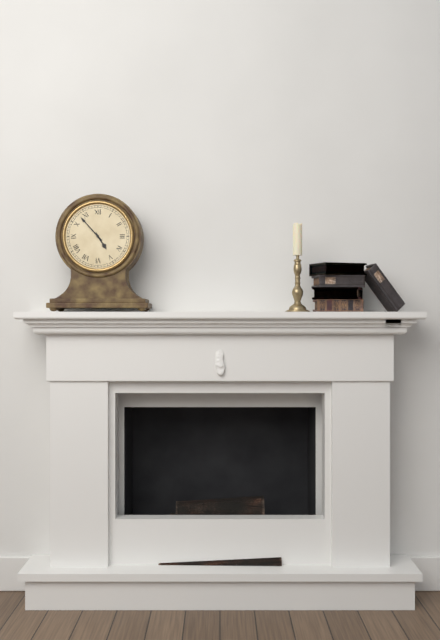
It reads 4h53
